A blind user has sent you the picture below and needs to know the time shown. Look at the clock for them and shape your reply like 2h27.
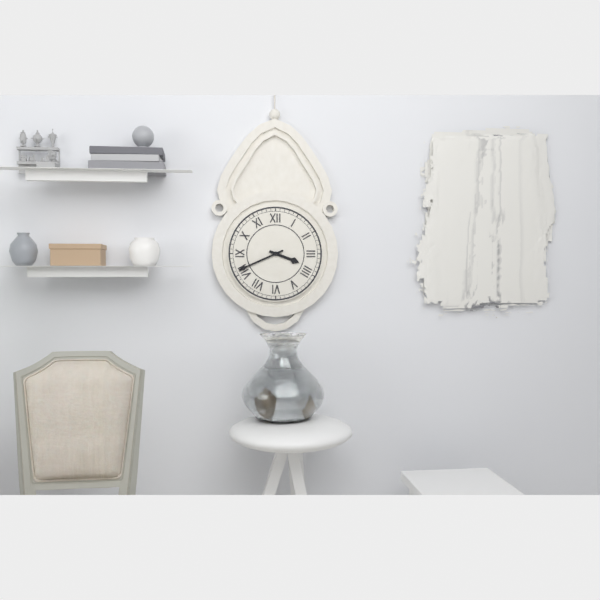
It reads 3h41
